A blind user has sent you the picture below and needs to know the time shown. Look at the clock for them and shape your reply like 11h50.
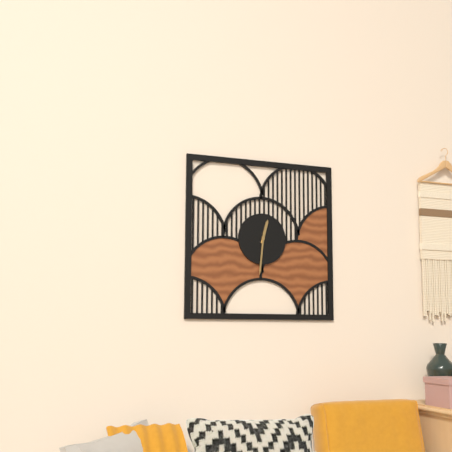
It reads 12h31
